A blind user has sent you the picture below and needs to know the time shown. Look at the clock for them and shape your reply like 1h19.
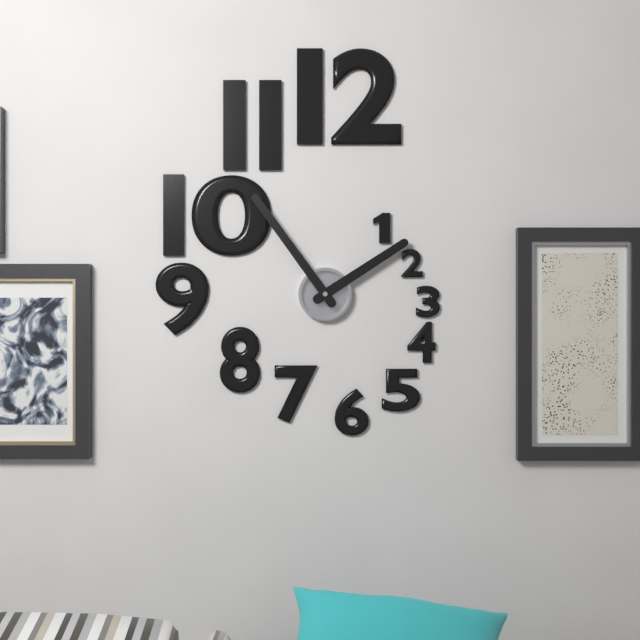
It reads 1h54
